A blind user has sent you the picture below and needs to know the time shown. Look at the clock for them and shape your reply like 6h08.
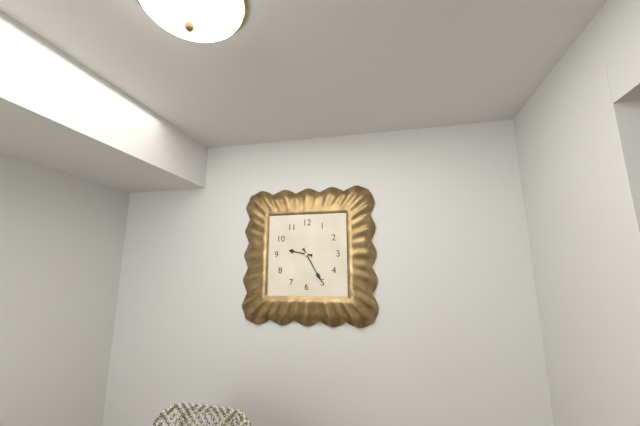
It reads 9h25
